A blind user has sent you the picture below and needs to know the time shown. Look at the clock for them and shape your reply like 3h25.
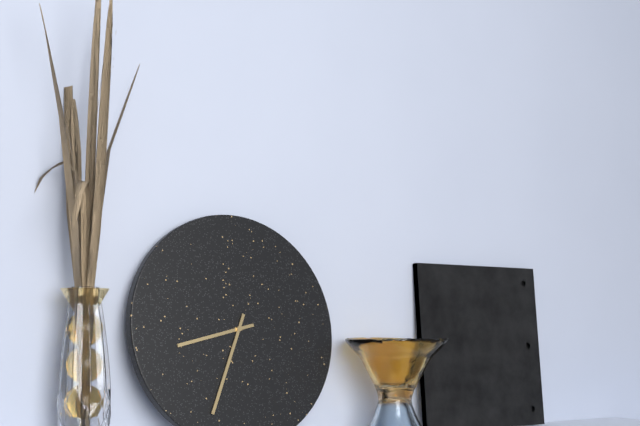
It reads 8h34
